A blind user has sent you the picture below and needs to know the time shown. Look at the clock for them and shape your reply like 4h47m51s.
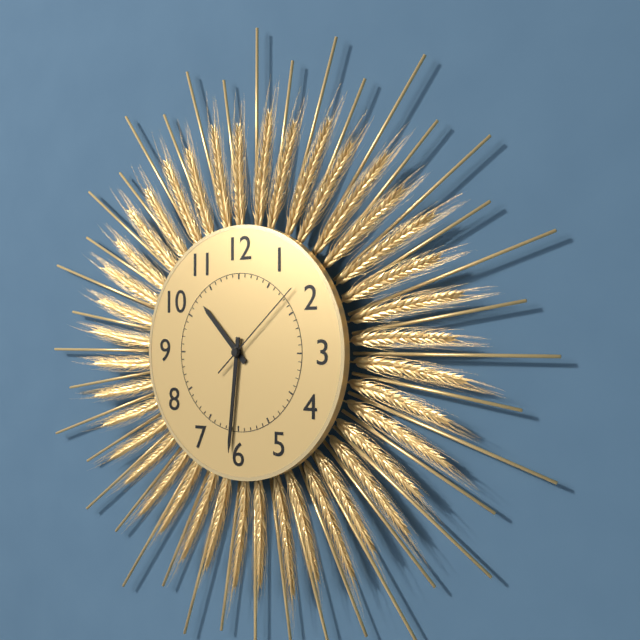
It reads 10h31m08s
